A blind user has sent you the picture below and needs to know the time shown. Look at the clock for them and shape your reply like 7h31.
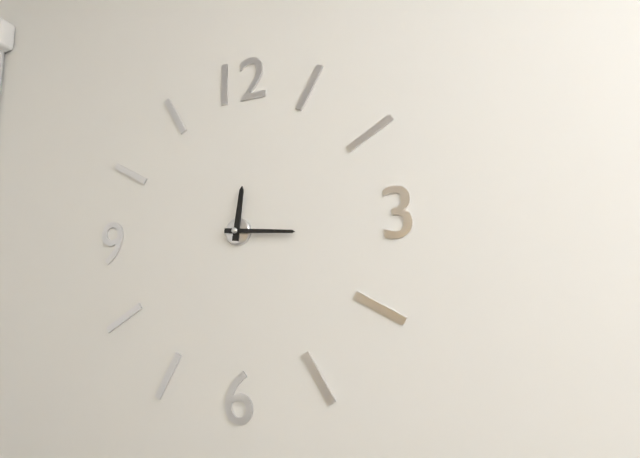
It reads 12h16
